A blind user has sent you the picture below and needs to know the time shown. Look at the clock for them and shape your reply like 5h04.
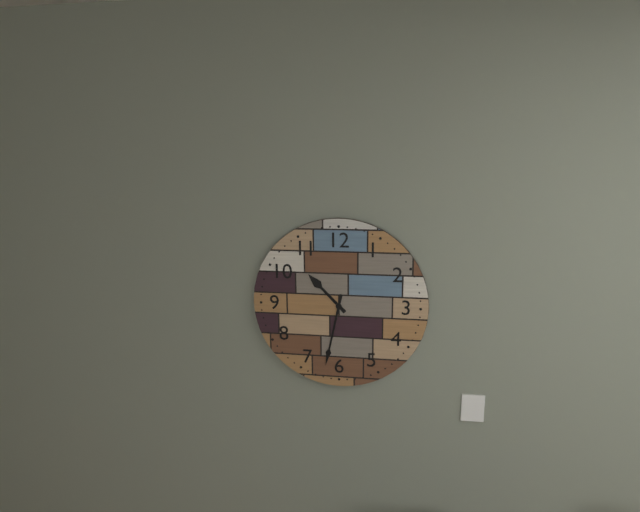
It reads 10h32
